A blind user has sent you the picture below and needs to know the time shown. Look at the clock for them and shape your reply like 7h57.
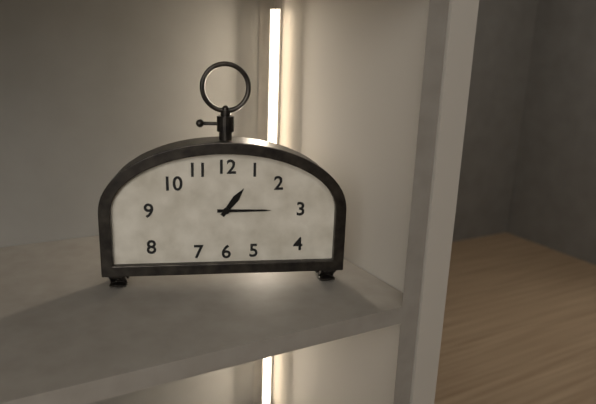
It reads 1h15
